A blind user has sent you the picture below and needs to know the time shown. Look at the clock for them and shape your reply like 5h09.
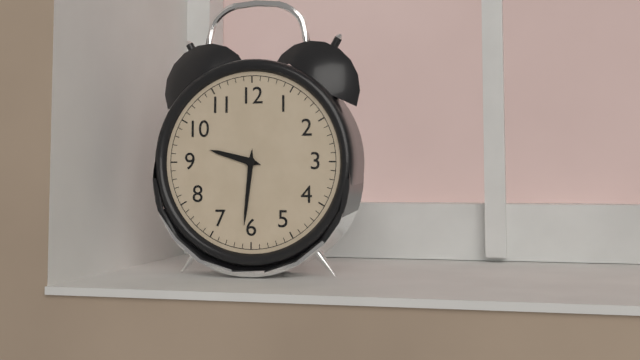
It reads 9h31
